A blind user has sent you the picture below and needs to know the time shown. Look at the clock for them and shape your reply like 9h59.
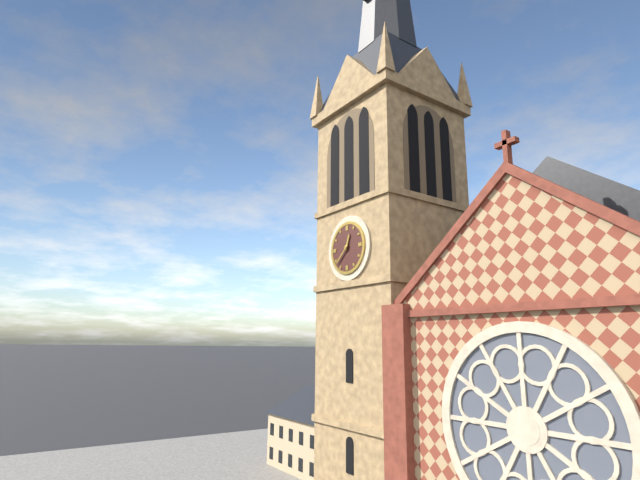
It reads 12h38
